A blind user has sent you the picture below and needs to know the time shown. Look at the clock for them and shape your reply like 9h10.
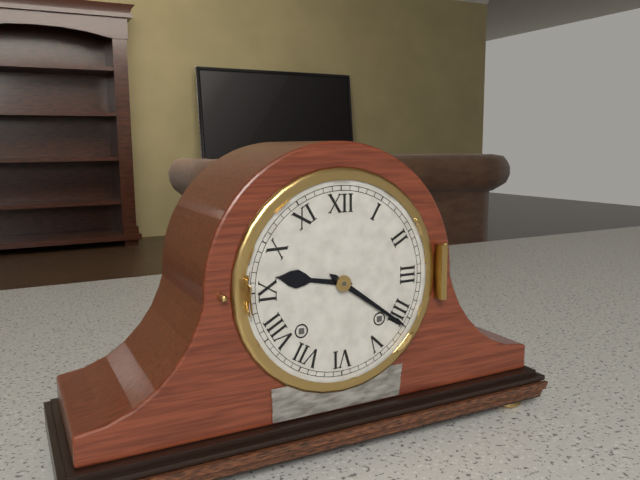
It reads 9h21
